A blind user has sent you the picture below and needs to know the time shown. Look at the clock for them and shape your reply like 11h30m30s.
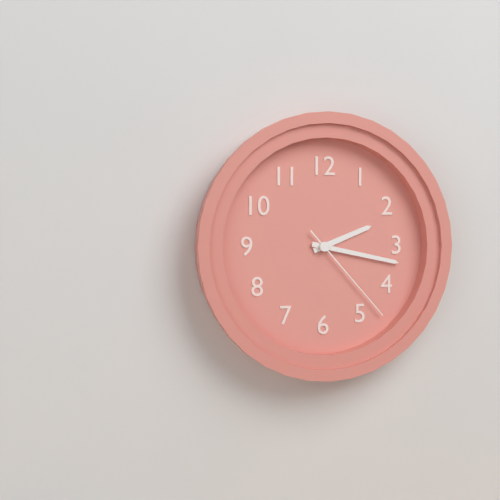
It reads 2h17m23s
